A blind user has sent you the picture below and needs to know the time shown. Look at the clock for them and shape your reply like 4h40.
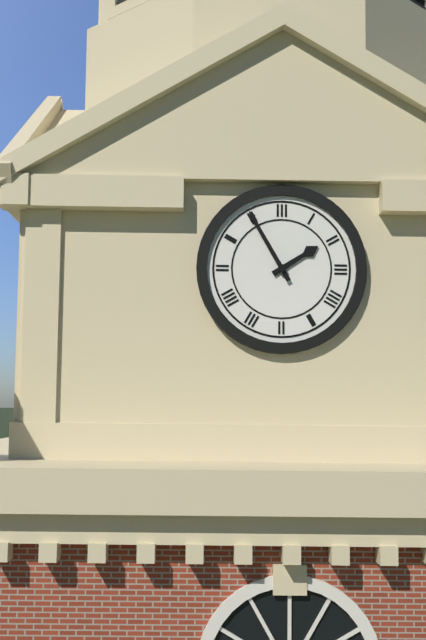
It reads 1h55
